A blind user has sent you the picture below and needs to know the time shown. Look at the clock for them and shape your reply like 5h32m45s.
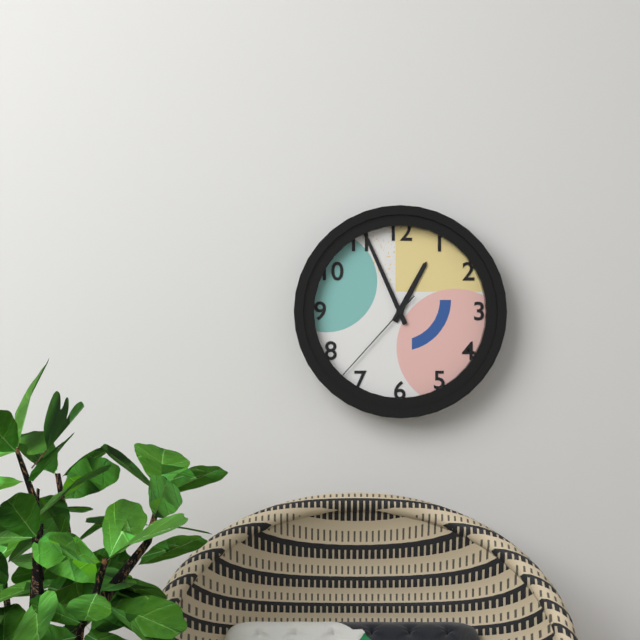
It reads 12h56m37s
